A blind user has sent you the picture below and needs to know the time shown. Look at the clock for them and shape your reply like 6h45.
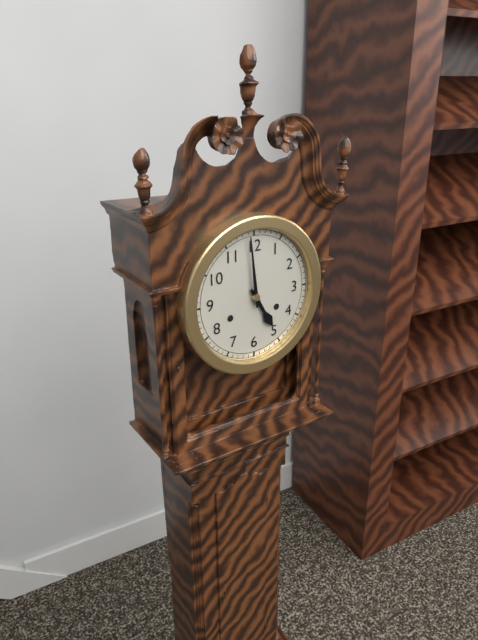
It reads 4h59
